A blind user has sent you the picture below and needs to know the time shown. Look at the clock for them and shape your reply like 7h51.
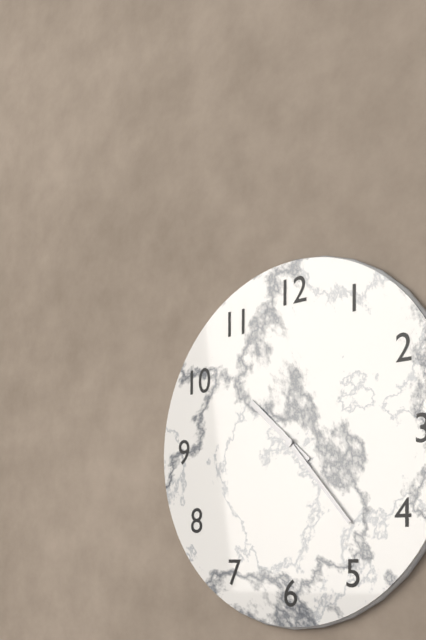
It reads 10h23
